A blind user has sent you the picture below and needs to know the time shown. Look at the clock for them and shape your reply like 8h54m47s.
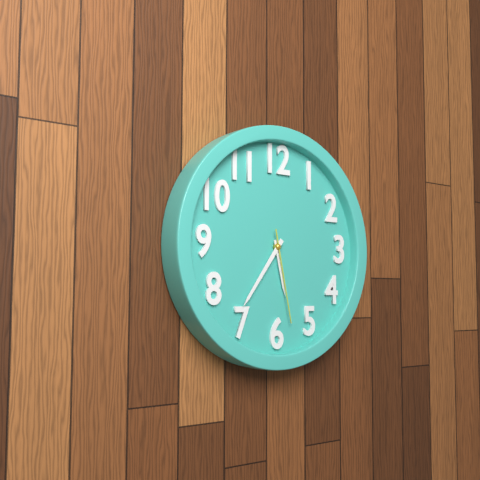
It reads 5h36m28s
